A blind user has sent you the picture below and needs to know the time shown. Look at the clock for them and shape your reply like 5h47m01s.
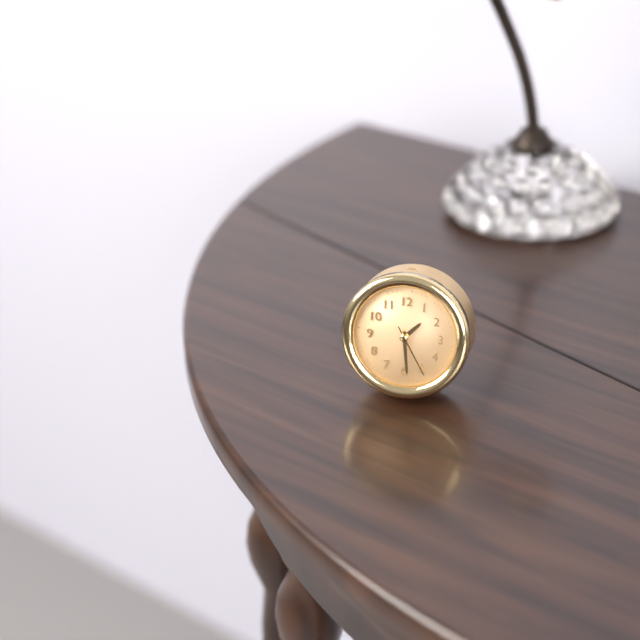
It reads 1h29m25s
